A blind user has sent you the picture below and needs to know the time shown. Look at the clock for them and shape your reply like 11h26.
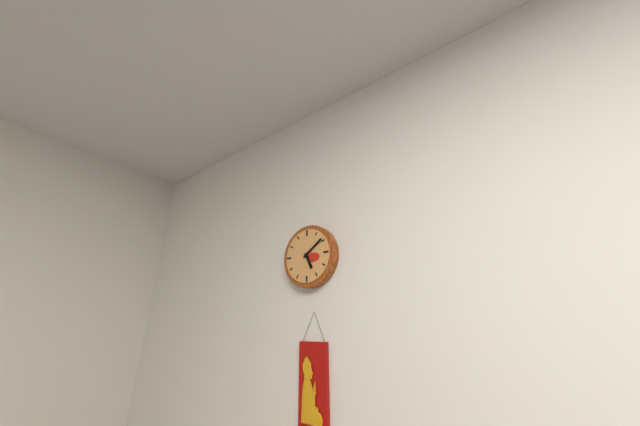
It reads 5h09
